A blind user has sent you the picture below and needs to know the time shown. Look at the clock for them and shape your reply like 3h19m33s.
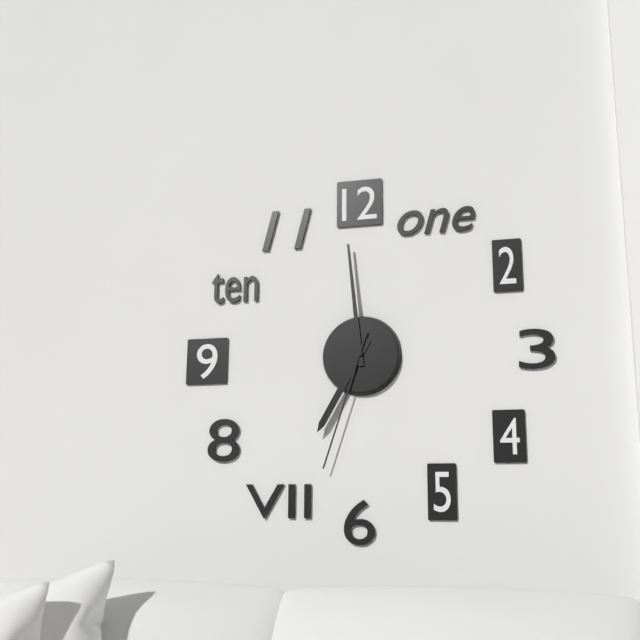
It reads 6h59m33s
